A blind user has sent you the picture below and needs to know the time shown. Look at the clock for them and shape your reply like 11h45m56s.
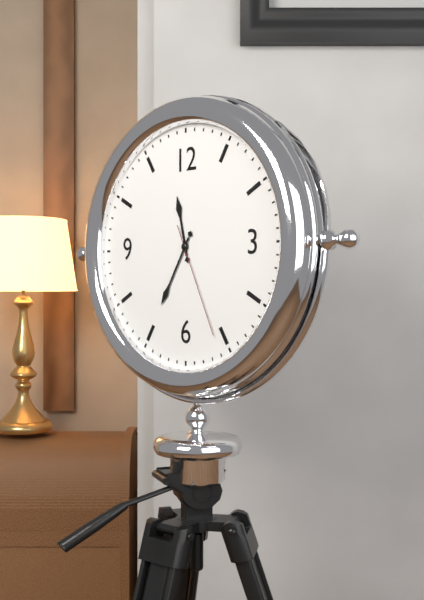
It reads 11h35m26s
